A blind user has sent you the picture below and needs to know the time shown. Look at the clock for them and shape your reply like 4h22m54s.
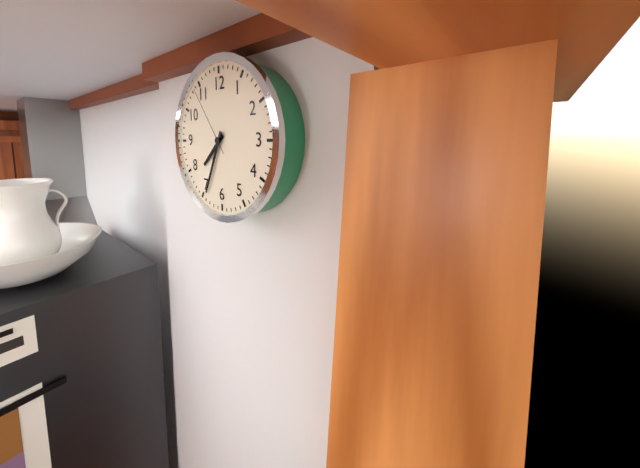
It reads 7h34m54s
